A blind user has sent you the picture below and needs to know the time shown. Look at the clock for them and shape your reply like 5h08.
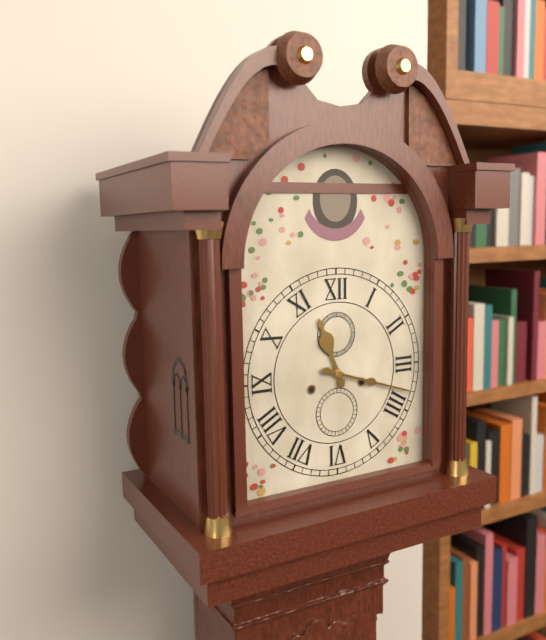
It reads 11h18
